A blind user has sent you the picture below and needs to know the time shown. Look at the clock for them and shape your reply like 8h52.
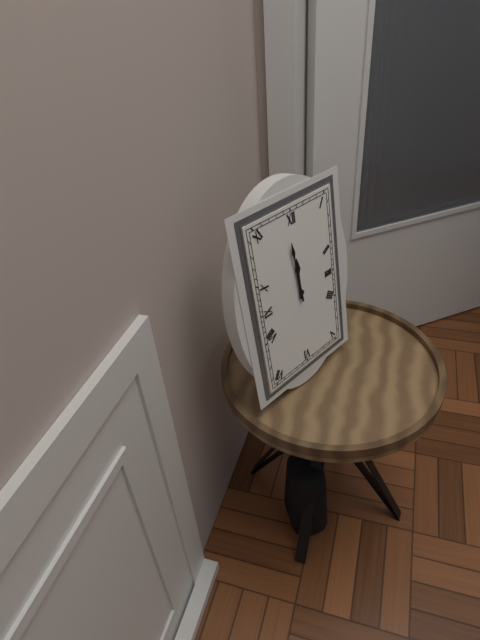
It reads 11h59
